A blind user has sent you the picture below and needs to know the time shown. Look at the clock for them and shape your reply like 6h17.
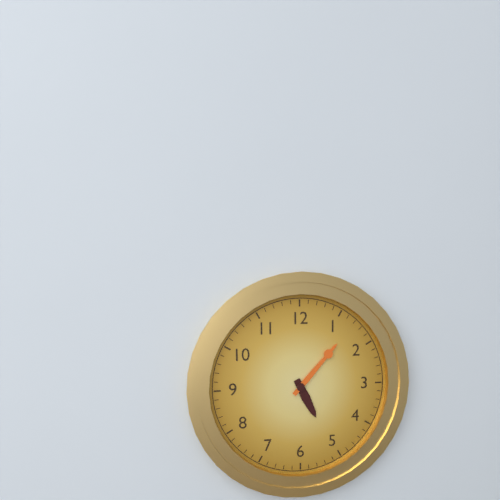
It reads 5h07
